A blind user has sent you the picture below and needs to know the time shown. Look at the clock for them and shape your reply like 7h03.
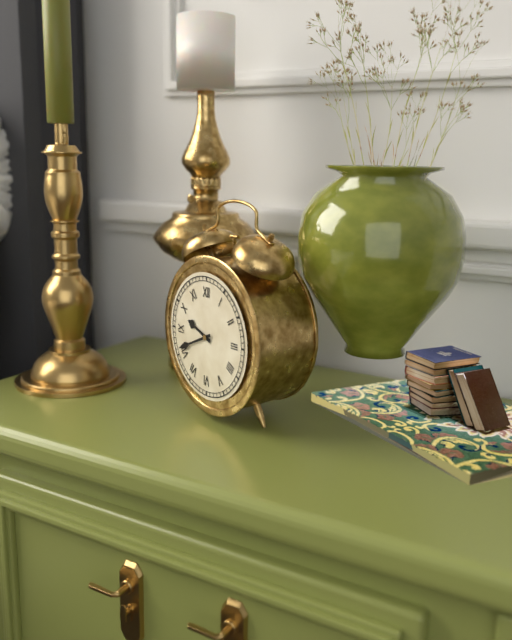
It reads 9h41
